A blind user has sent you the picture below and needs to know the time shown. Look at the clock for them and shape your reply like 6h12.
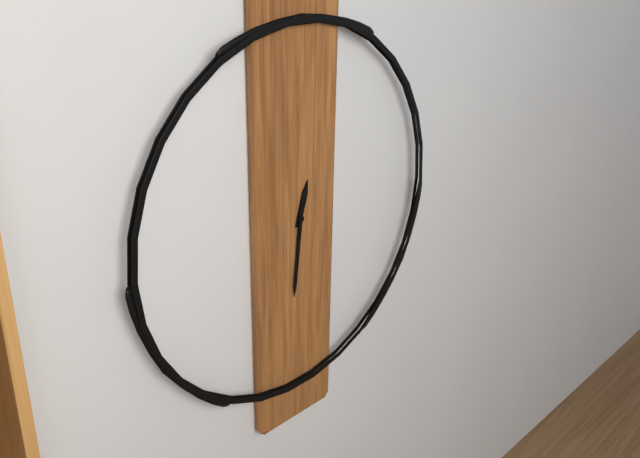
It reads 12h31
